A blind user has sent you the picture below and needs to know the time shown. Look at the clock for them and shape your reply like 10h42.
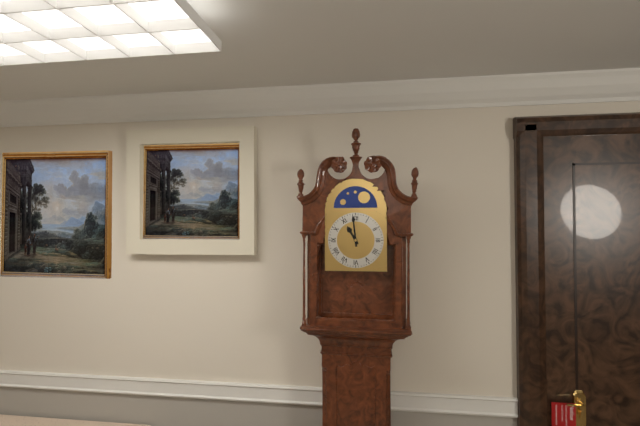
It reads 10h59
